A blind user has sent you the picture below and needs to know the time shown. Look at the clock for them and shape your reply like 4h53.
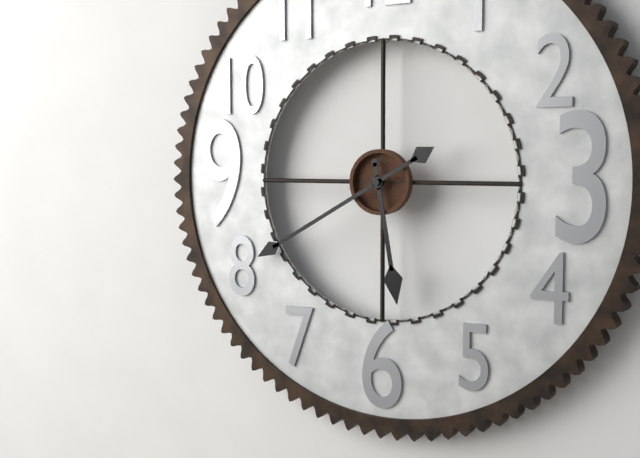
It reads 5h40
